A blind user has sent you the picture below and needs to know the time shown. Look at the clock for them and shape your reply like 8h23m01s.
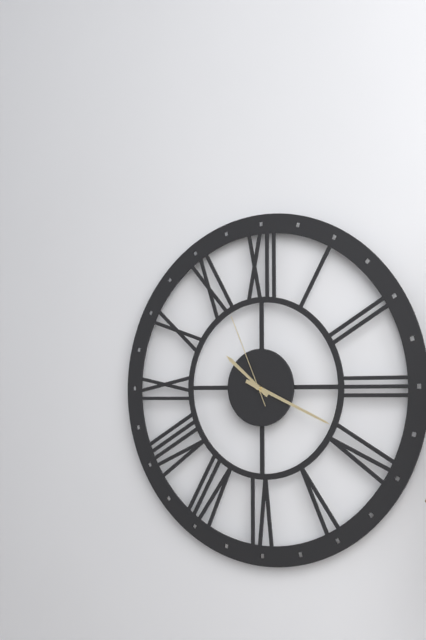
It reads 10h19m56s
